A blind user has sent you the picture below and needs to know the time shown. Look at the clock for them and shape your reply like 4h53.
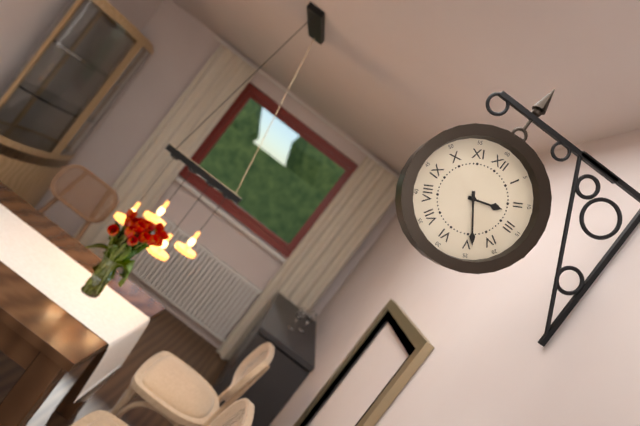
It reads 2h24
